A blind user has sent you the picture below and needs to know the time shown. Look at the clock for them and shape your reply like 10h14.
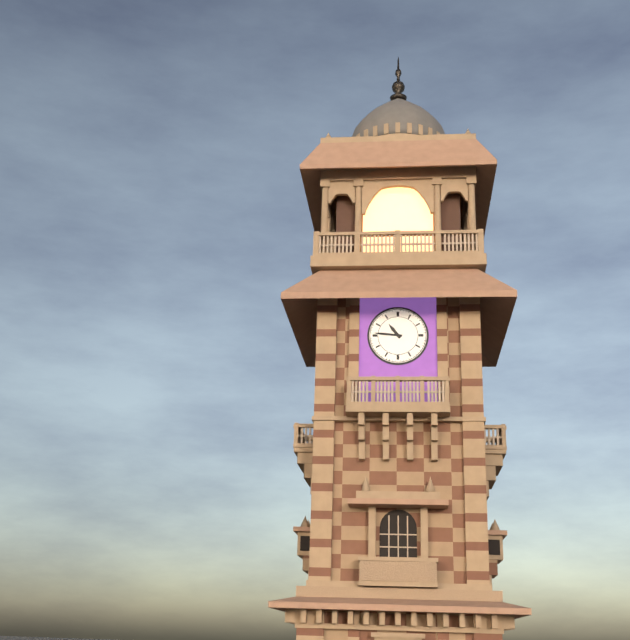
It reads 10h46
